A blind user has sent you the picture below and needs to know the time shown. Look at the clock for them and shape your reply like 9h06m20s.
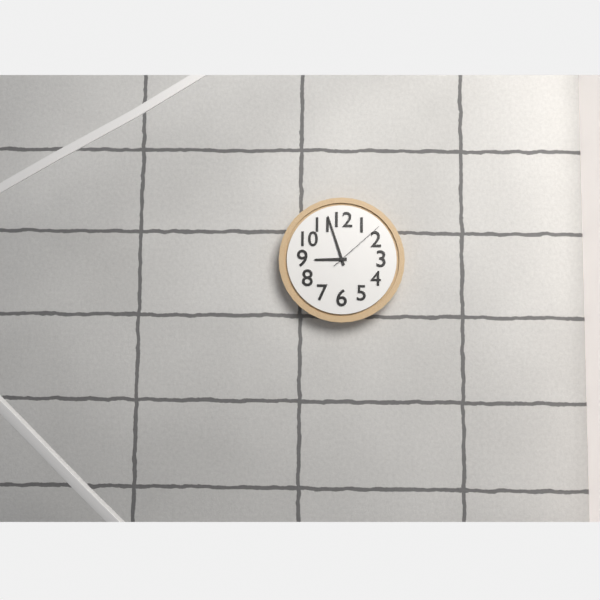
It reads 8h57m08s
